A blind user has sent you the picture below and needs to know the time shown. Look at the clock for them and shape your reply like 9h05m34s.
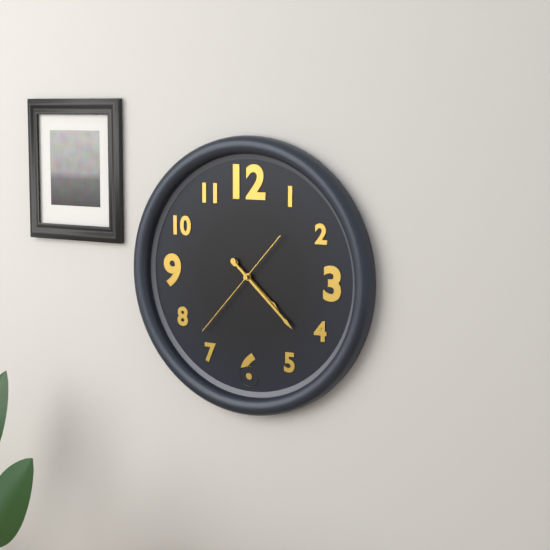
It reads 4h22m37s
